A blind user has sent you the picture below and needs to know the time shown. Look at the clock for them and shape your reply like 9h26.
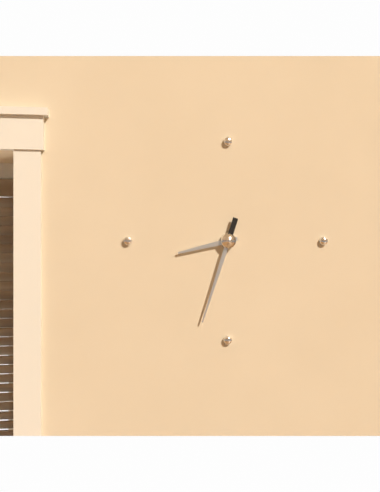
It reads 8h33
